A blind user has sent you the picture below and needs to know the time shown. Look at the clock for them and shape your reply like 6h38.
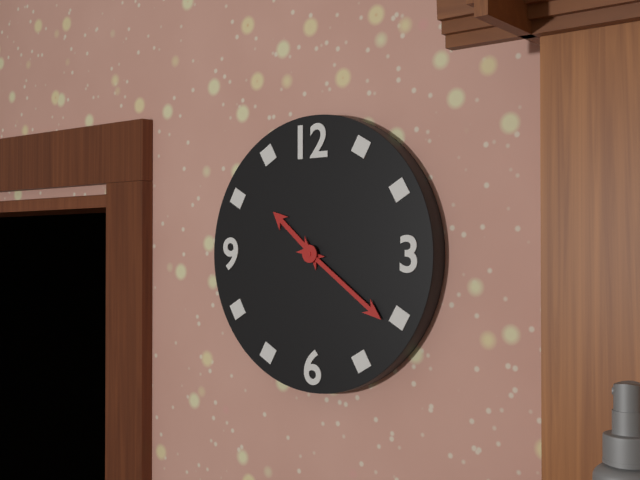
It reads 10h21
